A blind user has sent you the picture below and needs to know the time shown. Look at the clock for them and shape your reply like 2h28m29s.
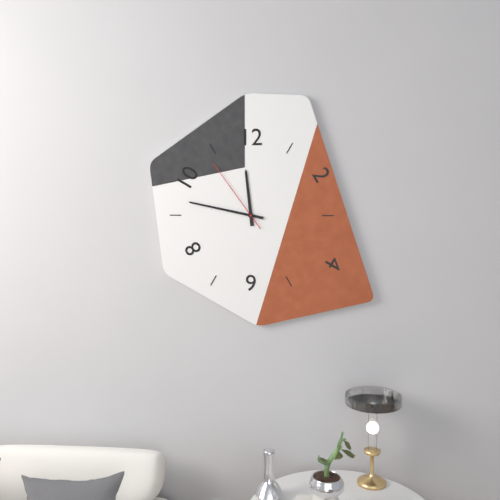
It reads 11h47m54s
